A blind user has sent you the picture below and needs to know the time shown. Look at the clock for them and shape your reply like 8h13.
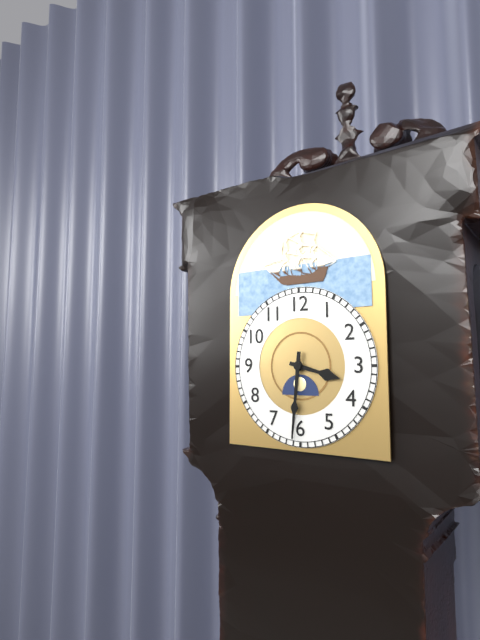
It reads 3h31
